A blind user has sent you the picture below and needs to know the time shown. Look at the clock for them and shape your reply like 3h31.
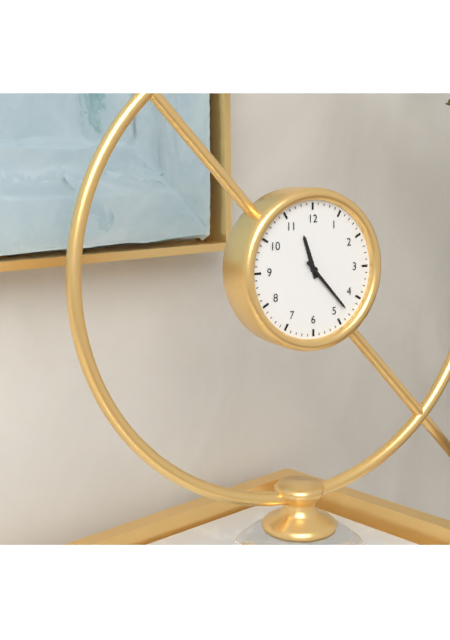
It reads 11h23
